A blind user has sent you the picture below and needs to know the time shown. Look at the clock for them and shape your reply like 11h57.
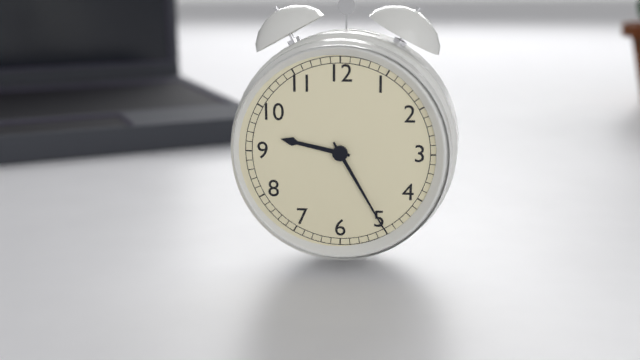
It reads 9h25
